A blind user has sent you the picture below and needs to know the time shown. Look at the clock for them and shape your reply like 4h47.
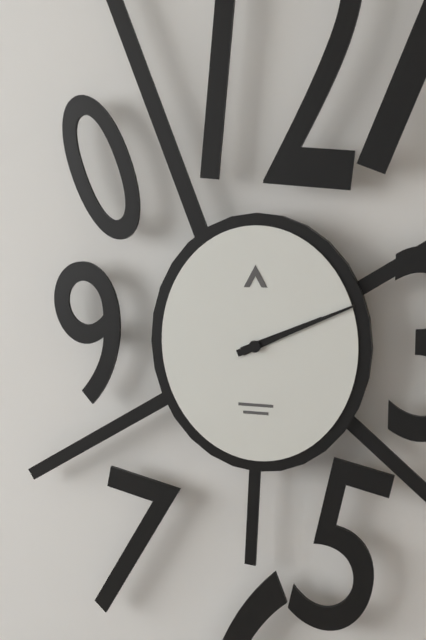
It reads 2h11
